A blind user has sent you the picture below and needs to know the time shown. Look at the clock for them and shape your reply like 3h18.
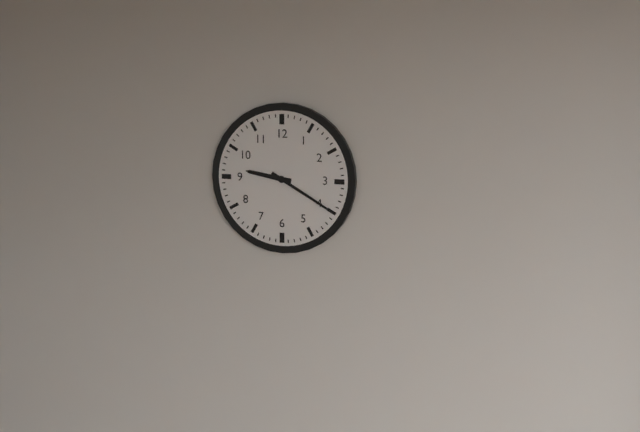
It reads 9h20
